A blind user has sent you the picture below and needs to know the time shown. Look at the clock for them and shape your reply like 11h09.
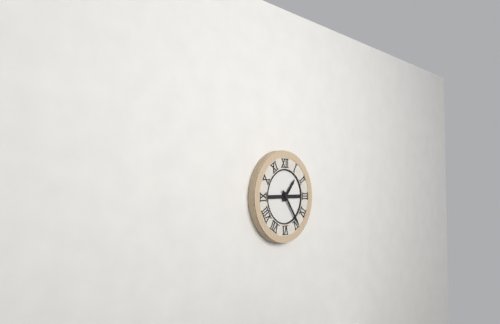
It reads 1h24
